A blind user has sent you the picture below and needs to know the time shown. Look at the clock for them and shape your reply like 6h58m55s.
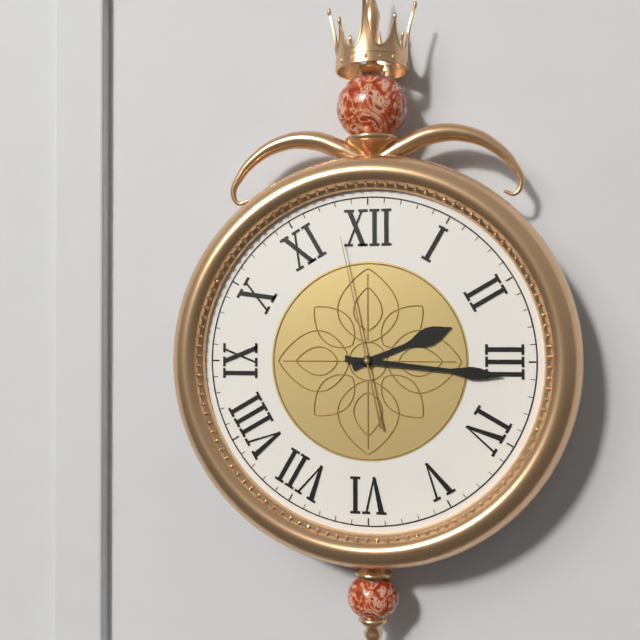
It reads 2h16m58s
